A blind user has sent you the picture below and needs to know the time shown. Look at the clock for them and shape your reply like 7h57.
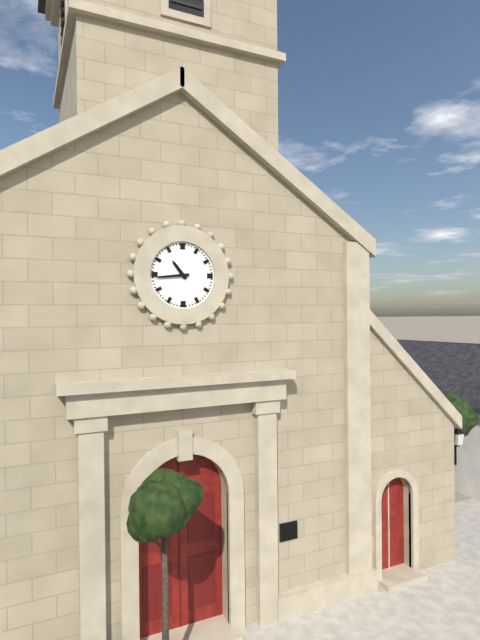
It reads 10h44
